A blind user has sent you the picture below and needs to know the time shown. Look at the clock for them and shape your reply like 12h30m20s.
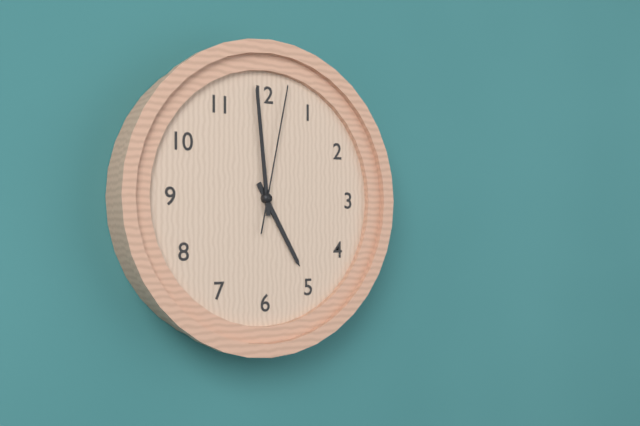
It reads 4h59m02s
